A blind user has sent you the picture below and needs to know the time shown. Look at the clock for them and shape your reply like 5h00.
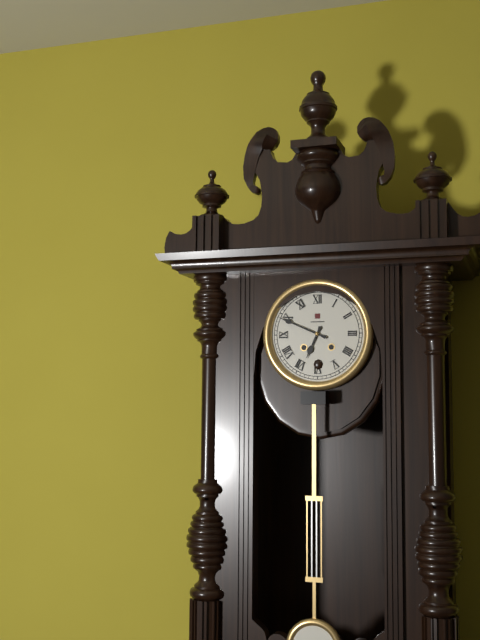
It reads 6h49
